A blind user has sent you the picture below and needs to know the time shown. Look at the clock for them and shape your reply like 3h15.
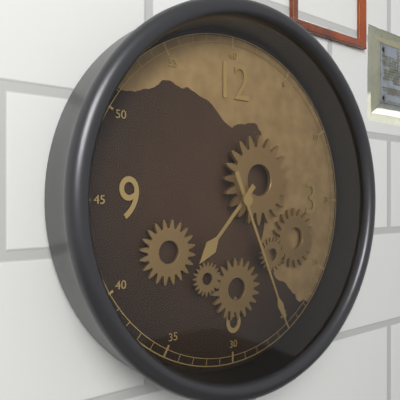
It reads 7h26
